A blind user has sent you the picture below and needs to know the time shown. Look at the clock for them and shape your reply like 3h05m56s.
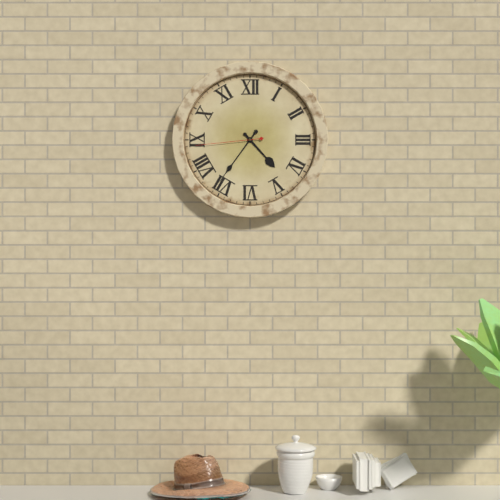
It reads 4h36m44s
